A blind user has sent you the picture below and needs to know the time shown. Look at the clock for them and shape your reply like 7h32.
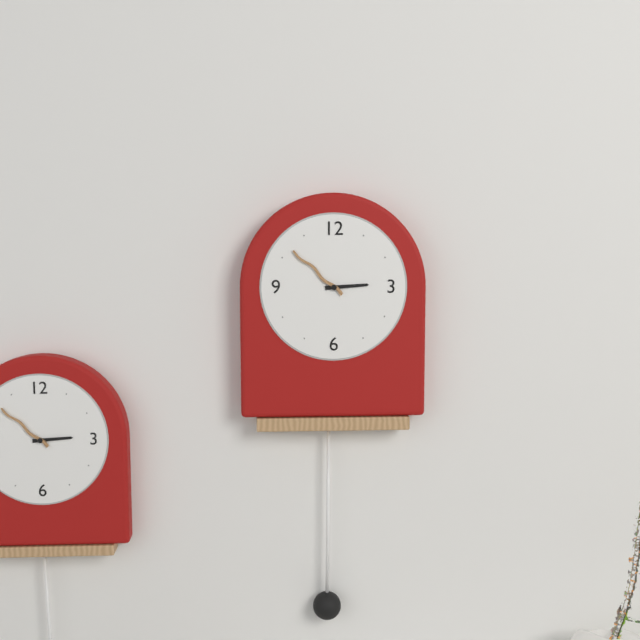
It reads 2h52
